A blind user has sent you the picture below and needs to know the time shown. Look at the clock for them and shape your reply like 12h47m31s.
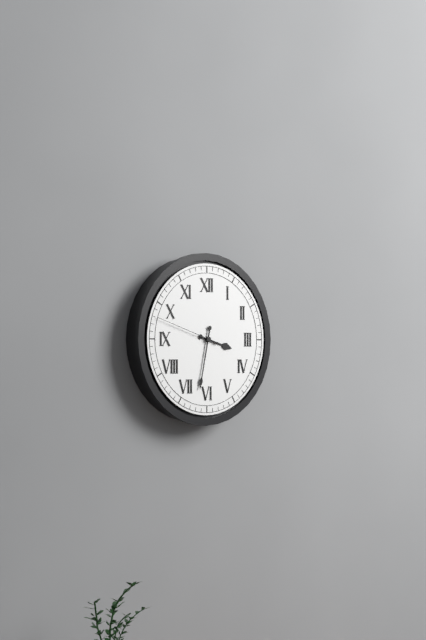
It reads 3h32m48s
